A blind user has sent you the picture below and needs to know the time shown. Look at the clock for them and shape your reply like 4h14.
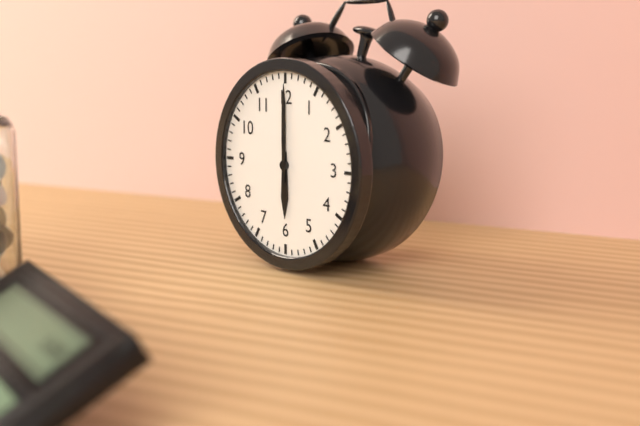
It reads 6h00
